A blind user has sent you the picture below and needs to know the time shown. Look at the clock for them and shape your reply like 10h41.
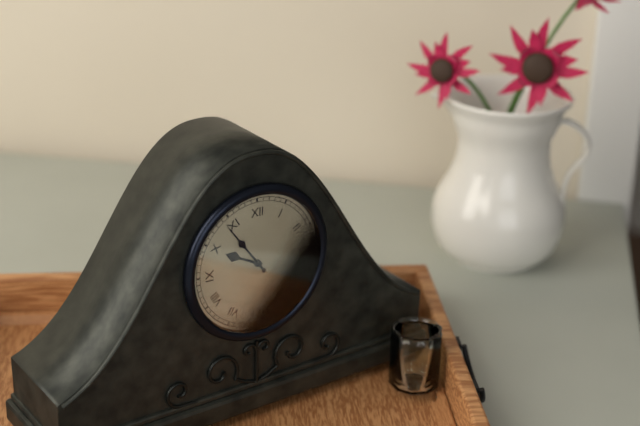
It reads 9h54
